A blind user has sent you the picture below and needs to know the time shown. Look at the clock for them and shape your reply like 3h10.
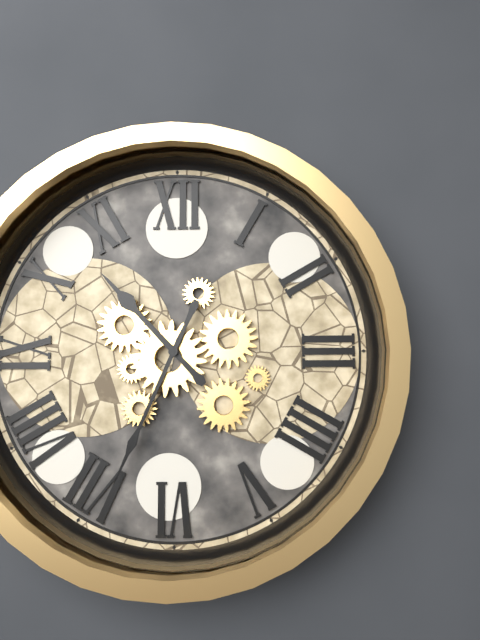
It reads 10h34
